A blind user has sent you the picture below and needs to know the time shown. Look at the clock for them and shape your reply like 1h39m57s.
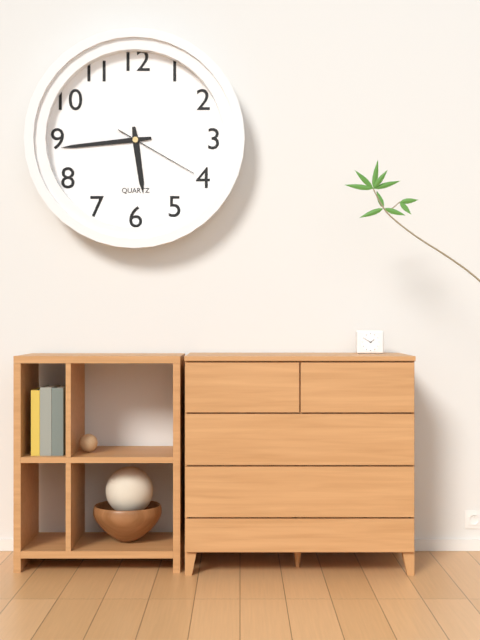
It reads 5h44m20s
